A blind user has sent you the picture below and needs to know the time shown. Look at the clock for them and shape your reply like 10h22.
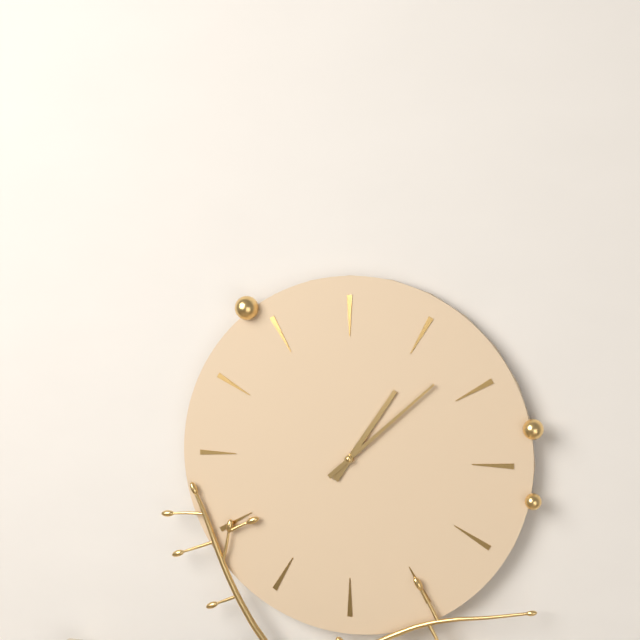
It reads 1h08
